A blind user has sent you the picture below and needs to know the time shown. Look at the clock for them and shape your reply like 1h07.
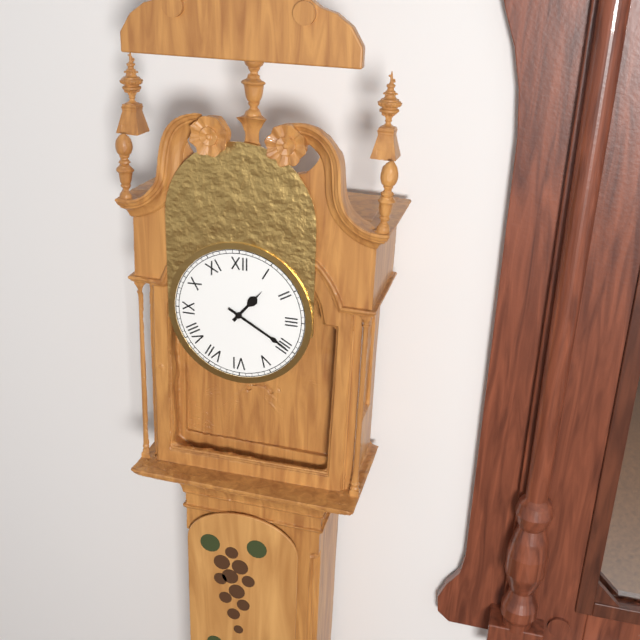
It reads 1h20
